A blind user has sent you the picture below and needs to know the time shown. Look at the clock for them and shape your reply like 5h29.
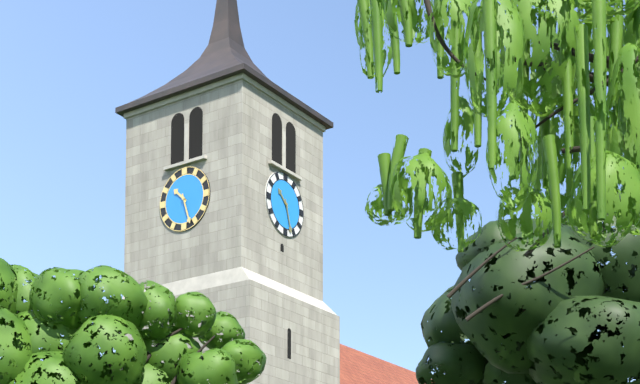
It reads 10h27
